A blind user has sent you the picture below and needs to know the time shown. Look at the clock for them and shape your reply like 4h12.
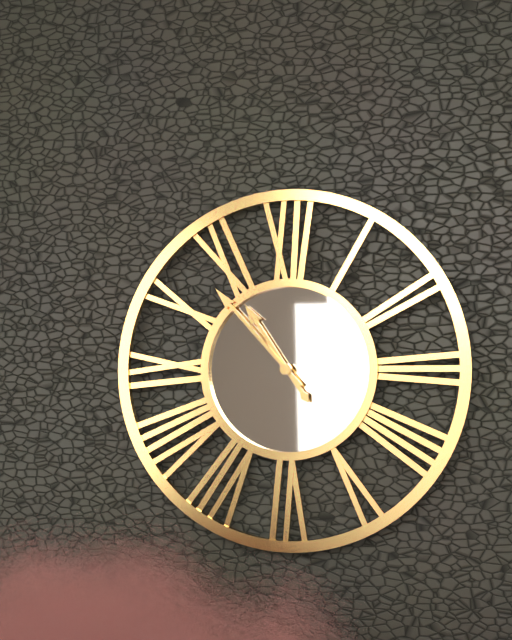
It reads 10h53
